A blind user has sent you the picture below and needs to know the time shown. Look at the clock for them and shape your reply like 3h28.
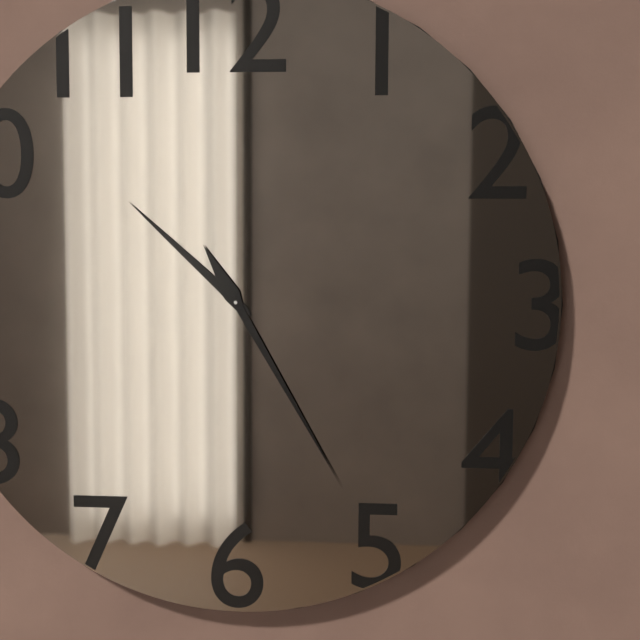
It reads 10h25
